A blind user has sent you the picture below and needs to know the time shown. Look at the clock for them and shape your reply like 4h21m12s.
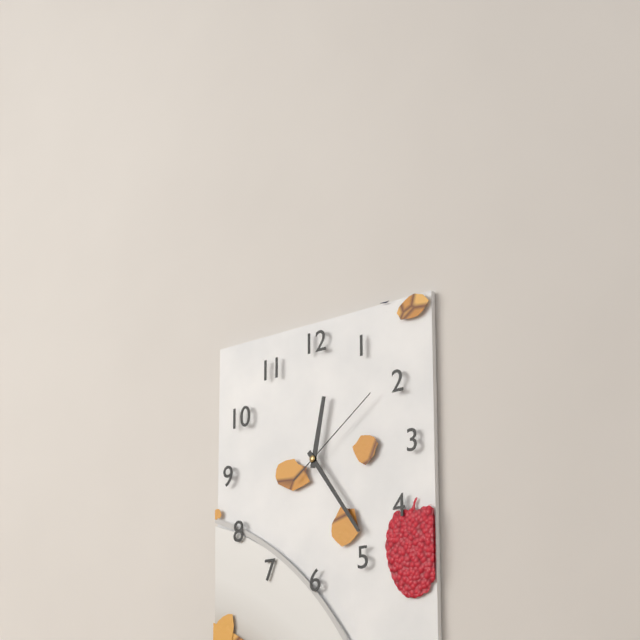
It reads 12h24m09s
